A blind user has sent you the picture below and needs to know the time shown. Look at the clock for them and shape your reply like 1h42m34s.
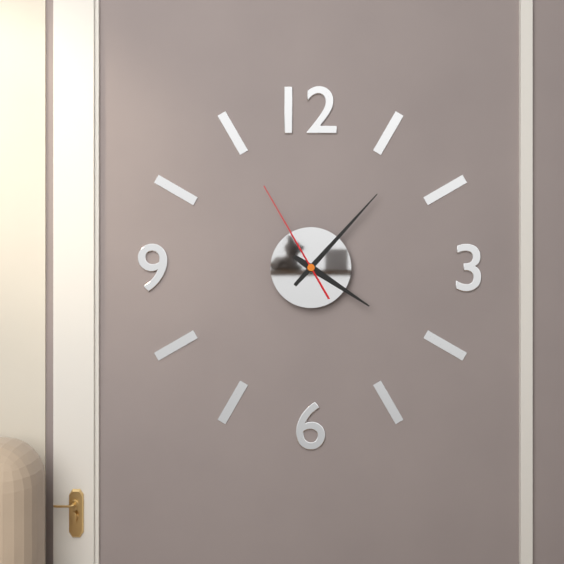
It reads 4h07m55s
